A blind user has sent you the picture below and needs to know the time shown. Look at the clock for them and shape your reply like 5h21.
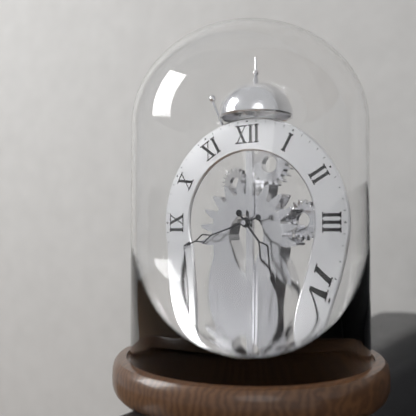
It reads 4h42
